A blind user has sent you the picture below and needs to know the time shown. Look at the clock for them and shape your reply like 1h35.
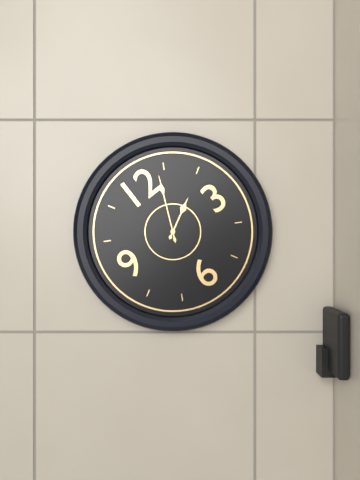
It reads 2h04
